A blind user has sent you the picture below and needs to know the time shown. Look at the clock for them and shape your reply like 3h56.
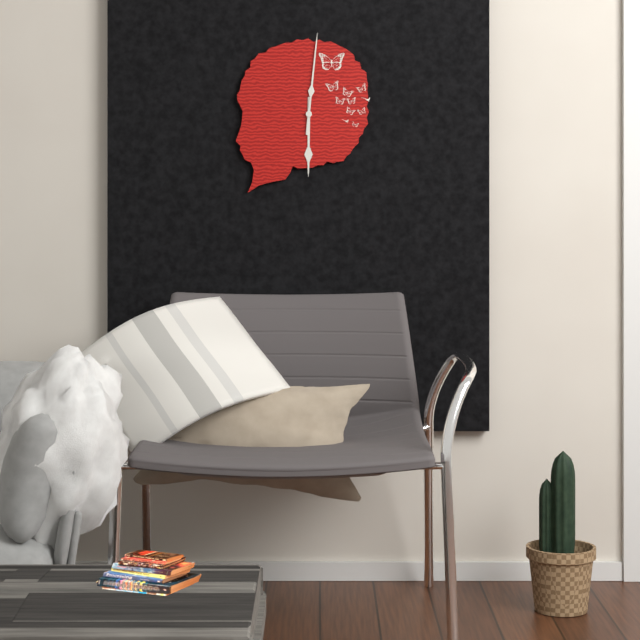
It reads 6h01
